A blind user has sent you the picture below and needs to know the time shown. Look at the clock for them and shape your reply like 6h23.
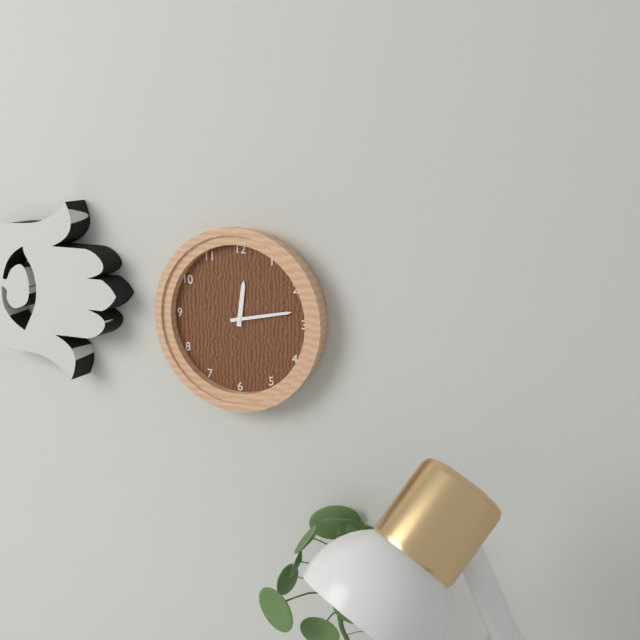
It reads 12h13
